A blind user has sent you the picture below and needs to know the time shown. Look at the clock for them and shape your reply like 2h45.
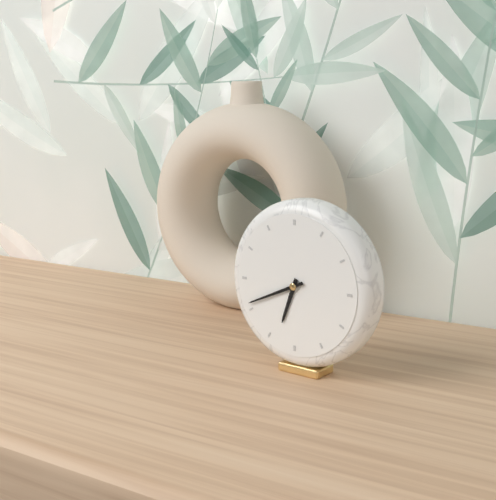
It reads 6h41
